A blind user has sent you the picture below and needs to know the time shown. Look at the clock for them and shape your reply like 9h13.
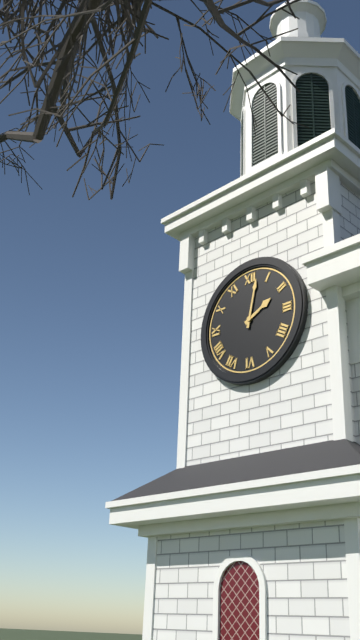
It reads 2h02
